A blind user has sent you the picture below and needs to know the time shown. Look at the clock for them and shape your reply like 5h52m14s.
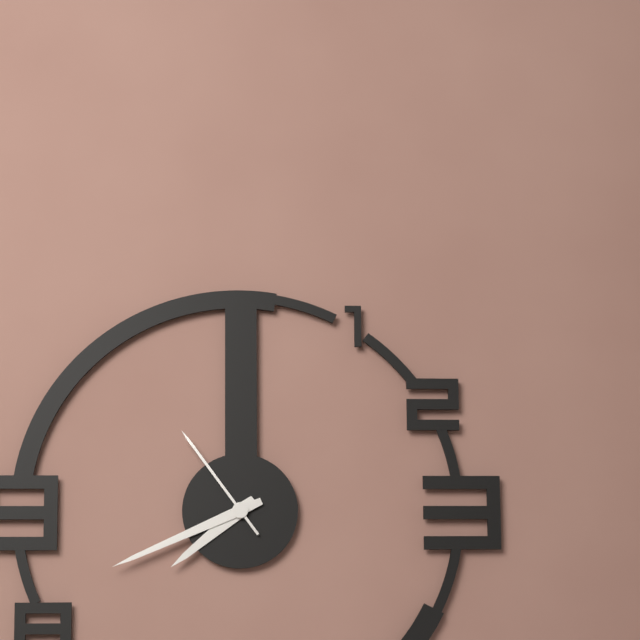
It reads 7h41m54s
